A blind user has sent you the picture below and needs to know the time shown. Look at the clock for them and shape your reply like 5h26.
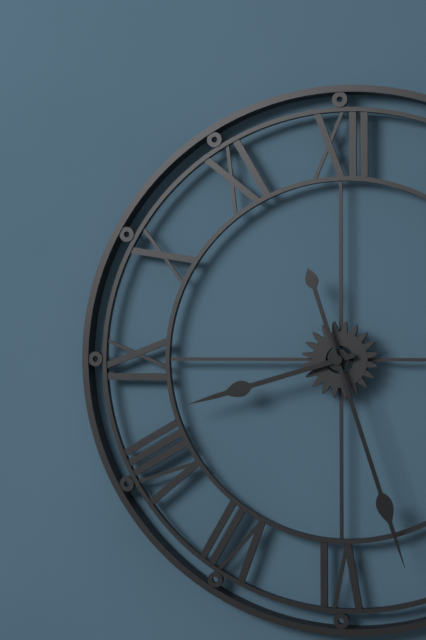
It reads 8h27
